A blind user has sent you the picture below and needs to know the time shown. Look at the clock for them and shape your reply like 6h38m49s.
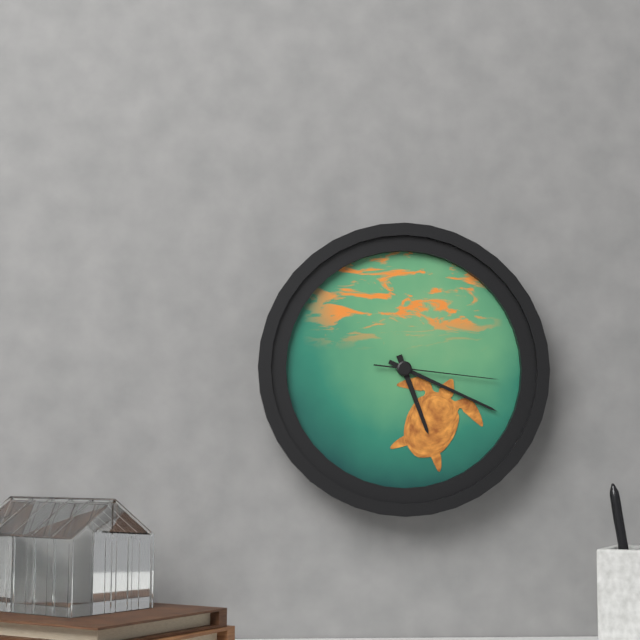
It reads 5h19m16s
